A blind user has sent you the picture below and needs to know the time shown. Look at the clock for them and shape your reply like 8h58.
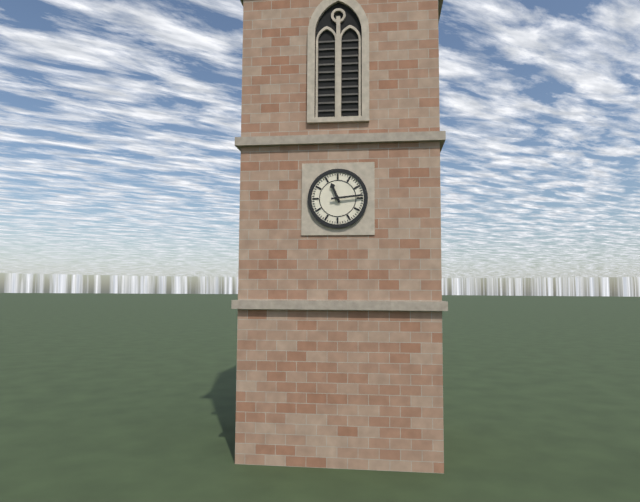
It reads 11h14
